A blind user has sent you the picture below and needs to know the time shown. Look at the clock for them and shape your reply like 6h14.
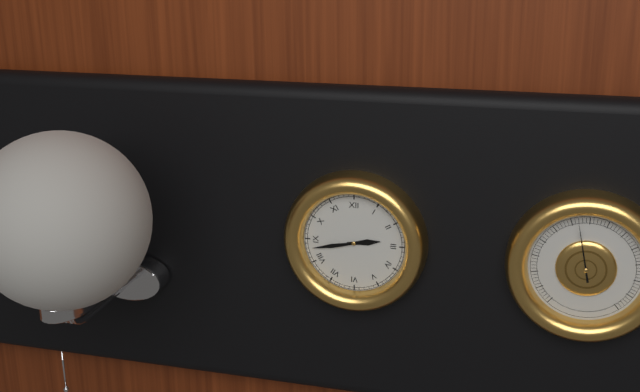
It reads 2h43
